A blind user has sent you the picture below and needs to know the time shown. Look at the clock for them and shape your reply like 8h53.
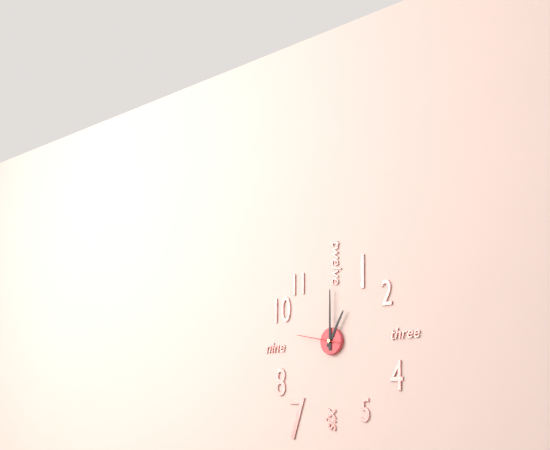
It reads 1h00
